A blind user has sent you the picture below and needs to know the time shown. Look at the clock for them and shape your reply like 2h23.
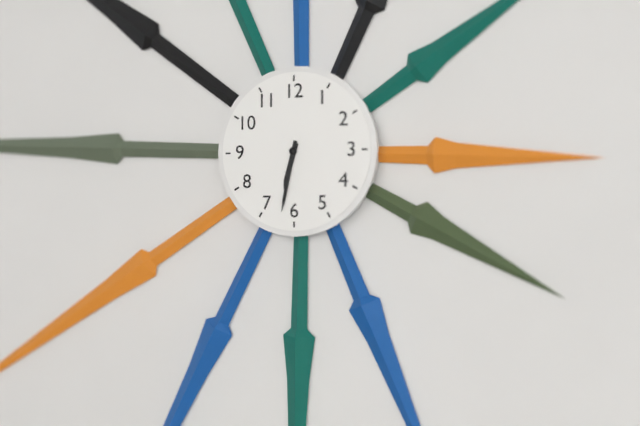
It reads 6h32
